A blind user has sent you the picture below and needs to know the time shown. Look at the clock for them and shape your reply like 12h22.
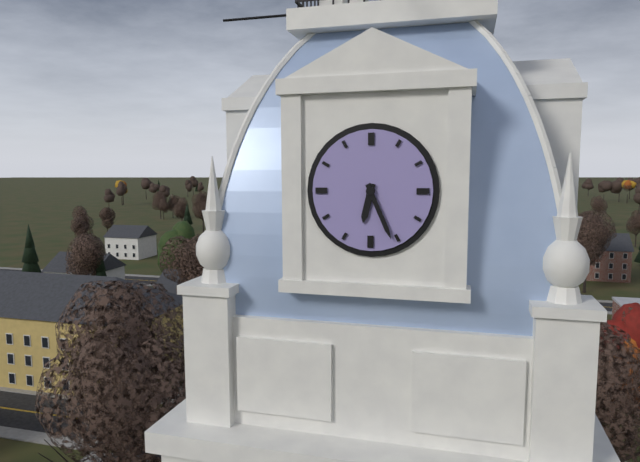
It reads 6h26
